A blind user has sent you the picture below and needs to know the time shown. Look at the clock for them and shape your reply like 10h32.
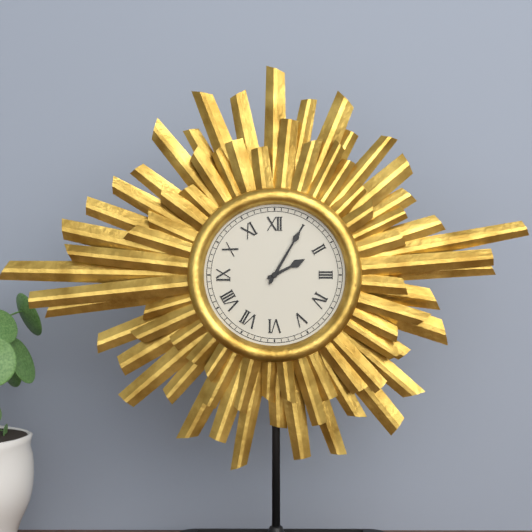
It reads 2h05
